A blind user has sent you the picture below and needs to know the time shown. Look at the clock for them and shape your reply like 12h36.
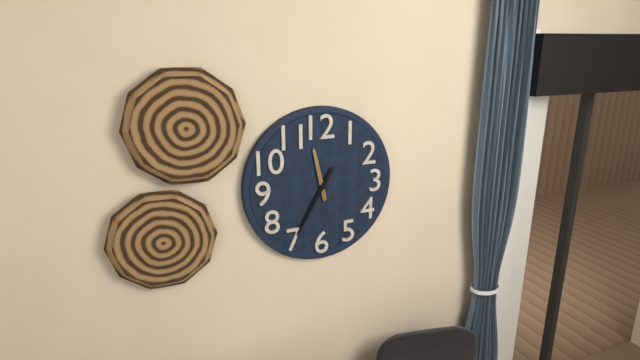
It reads 11h35
